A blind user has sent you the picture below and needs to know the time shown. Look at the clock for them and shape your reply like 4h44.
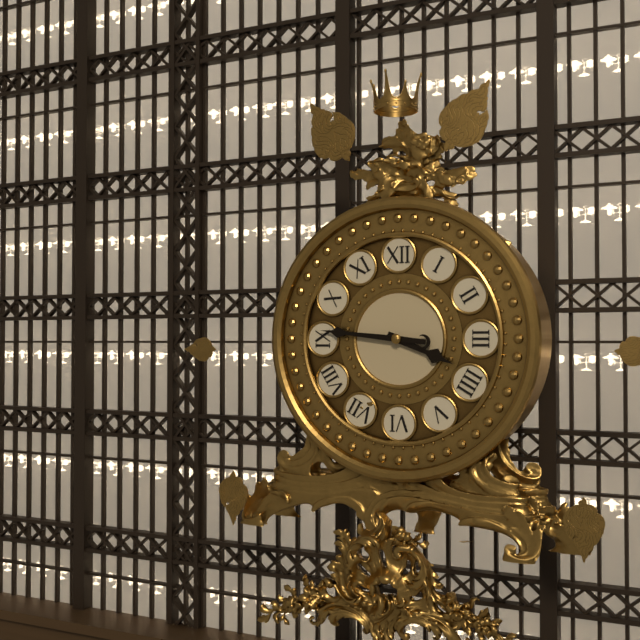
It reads 3h46
